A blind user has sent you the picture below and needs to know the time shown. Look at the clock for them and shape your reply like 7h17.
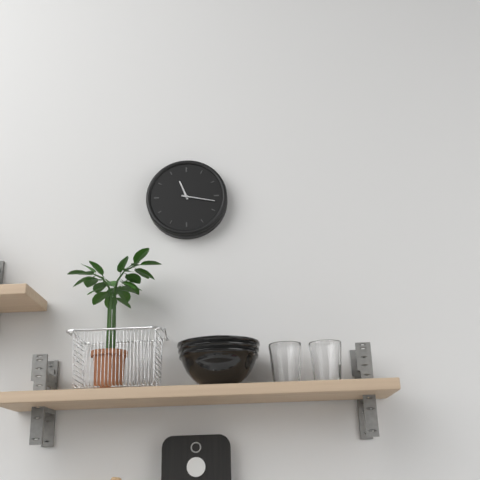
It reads 11h17
